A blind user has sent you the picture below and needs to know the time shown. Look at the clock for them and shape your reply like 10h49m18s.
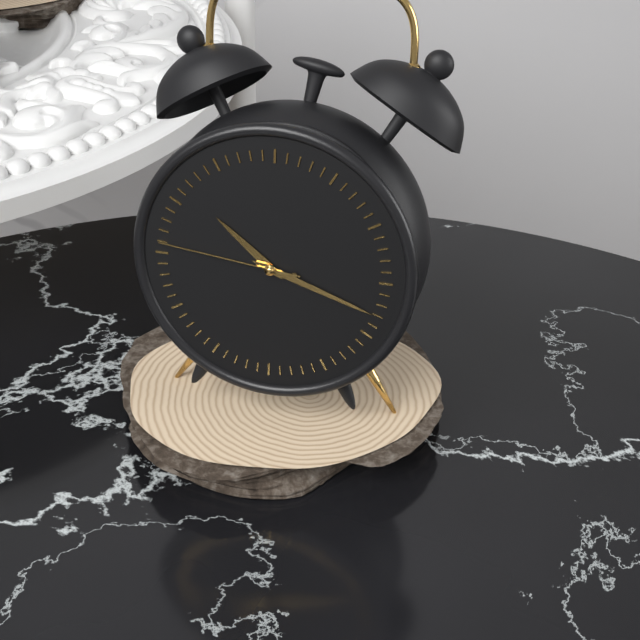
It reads 10h18m46s
